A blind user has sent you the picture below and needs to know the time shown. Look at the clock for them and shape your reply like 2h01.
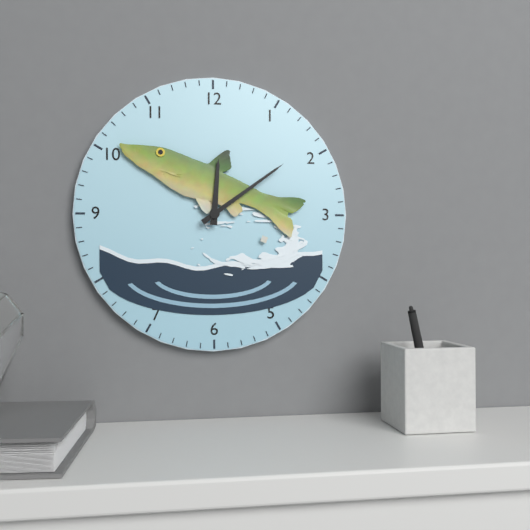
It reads 12h09
